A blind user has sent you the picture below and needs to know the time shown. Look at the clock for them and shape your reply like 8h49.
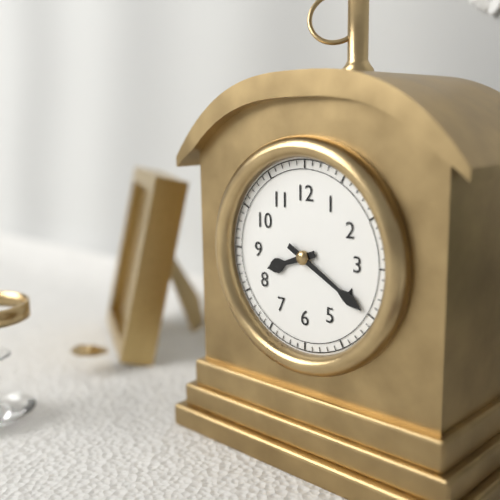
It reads 8h20
